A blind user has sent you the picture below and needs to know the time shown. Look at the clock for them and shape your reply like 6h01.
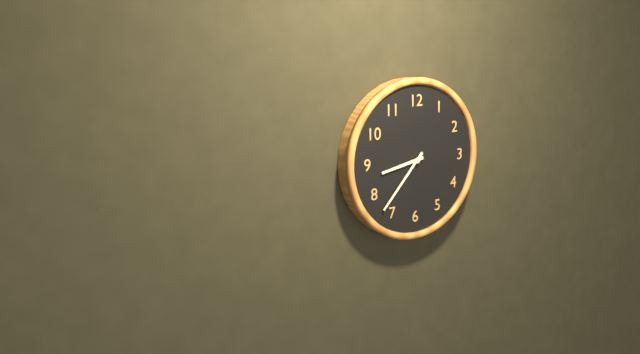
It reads 8h37
